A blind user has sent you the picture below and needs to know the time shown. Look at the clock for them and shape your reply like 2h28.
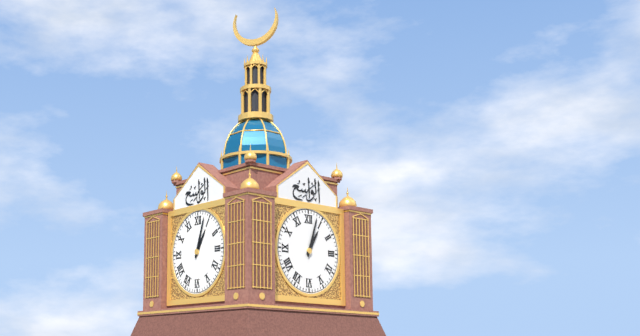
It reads 1h03
